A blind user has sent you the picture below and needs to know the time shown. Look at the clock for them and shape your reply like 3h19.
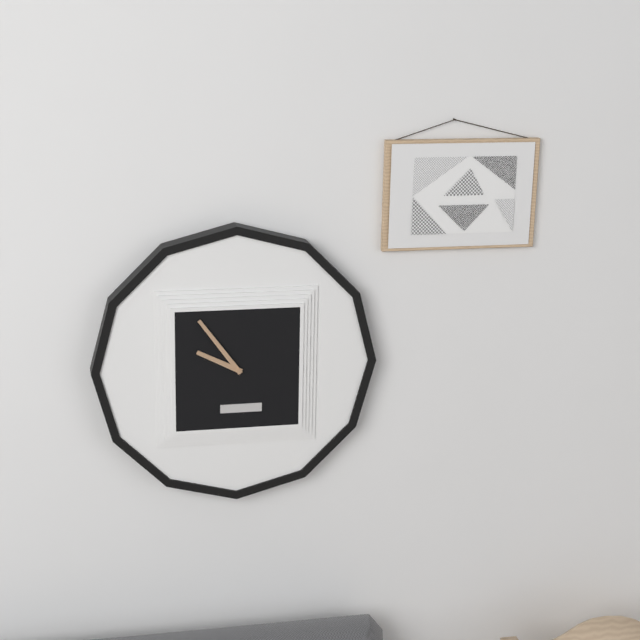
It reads 9h54
